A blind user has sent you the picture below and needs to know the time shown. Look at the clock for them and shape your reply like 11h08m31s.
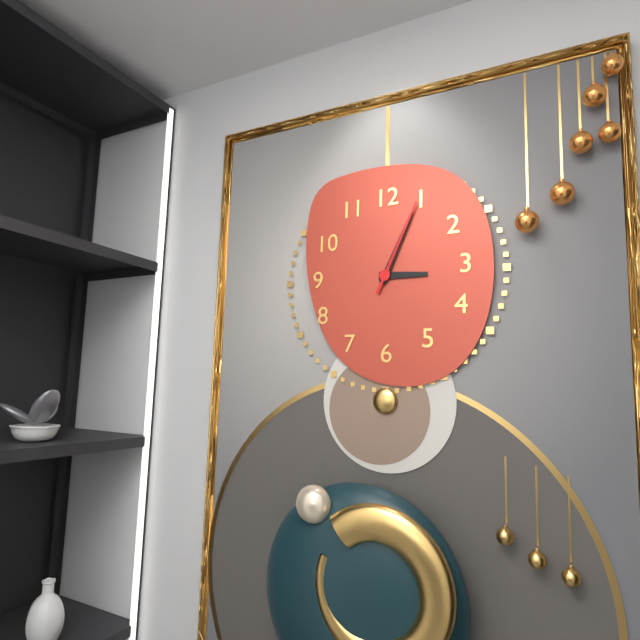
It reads 3h04m04s
